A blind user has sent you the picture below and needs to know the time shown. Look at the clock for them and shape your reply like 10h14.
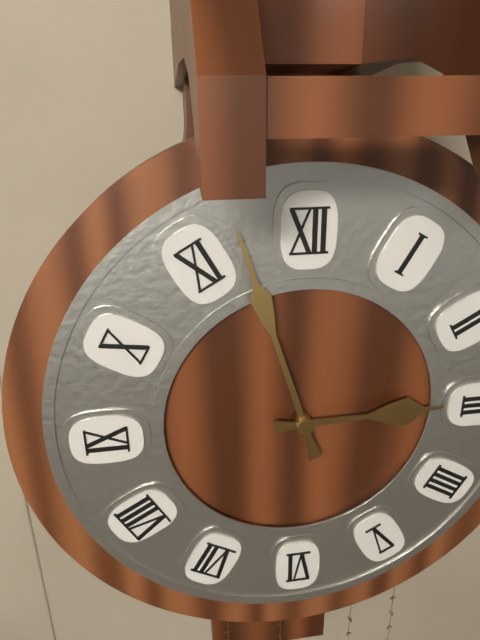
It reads 2h57
